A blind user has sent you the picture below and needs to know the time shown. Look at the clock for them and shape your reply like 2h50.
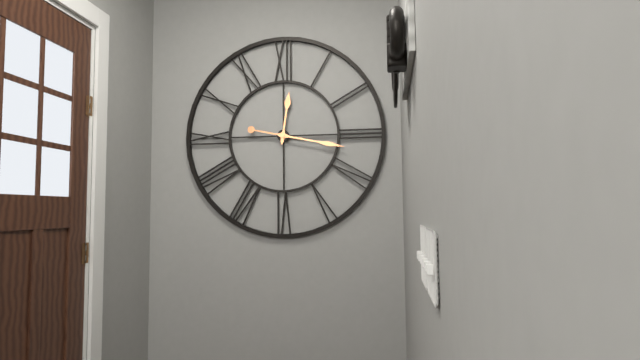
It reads 12h17
